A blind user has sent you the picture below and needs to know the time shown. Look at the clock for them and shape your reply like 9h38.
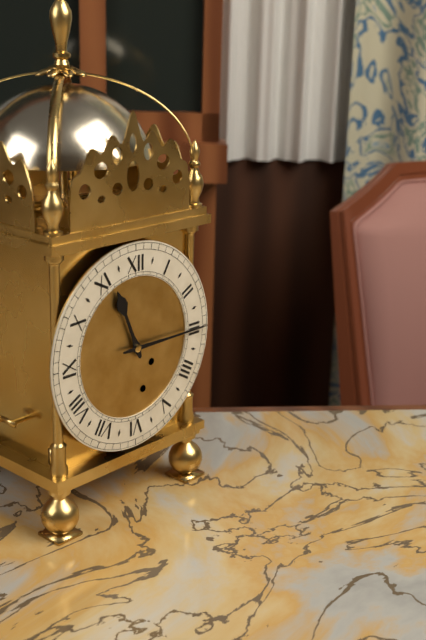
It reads 11h15
